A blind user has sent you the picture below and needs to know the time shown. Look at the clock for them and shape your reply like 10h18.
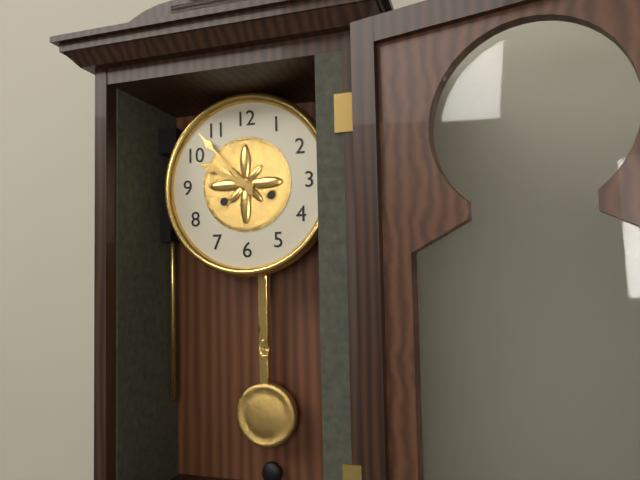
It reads 9h53
